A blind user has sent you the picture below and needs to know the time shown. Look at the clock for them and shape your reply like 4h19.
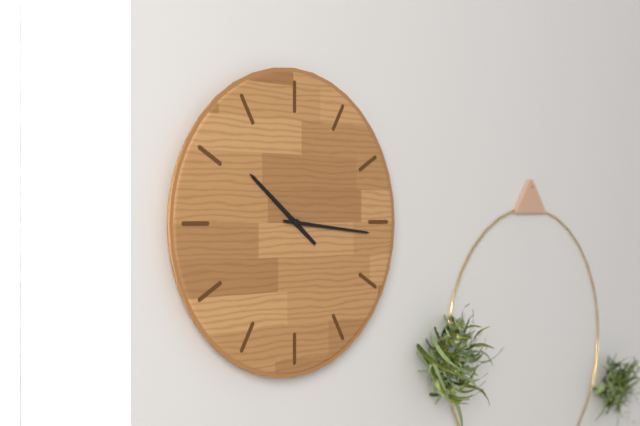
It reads 10h16
